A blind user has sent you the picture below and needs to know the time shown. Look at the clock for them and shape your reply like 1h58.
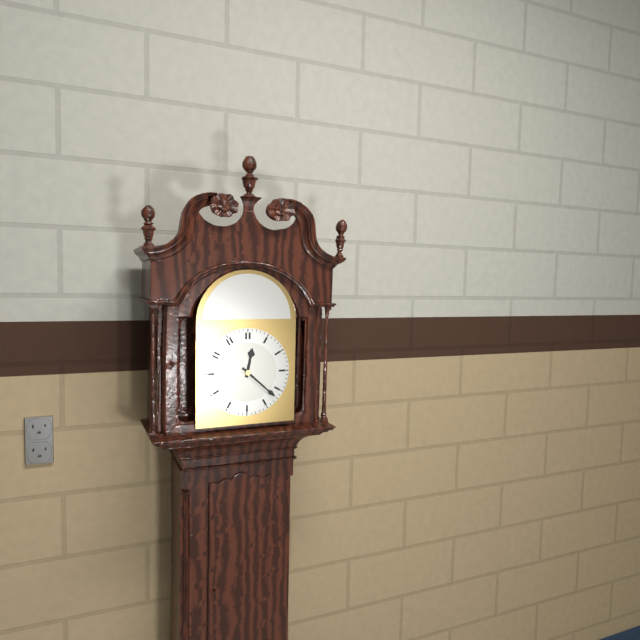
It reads 12h22
